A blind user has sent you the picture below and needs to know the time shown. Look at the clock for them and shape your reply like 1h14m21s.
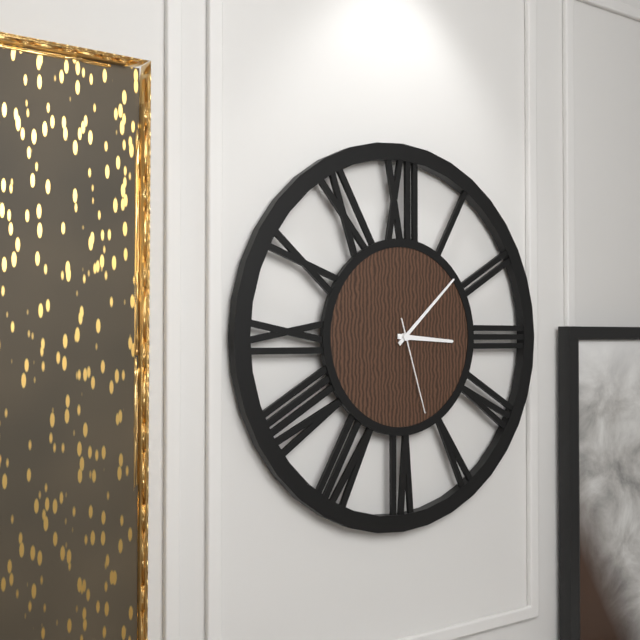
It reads 3h08m27s
